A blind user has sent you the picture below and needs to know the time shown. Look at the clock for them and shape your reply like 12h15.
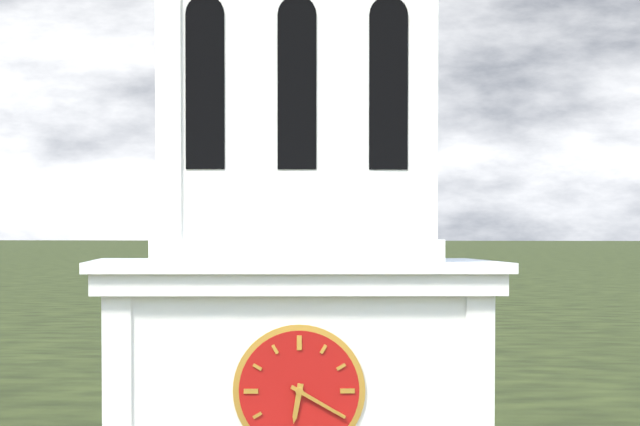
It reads 6h20
